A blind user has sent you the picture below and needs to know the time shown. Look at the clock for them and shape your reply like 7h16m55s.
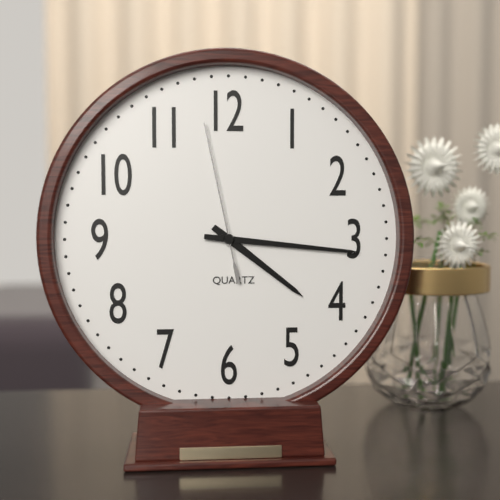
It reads 4h16m58s
